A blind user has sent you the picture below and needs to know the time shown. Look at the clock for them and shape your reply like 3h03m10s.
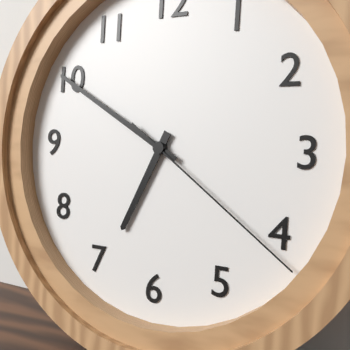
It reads 6h50m21s
